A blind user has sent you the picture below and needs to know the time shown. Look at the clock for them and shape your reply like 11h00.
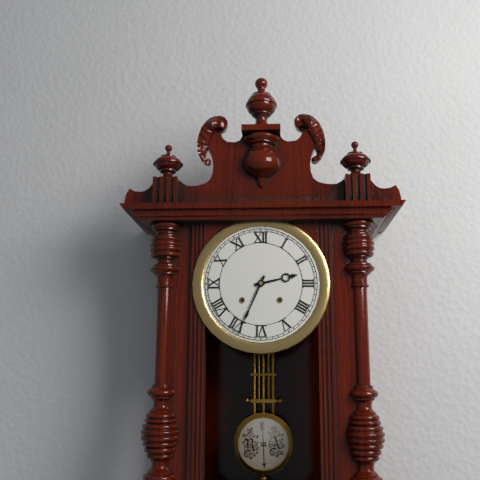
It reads 2h34
